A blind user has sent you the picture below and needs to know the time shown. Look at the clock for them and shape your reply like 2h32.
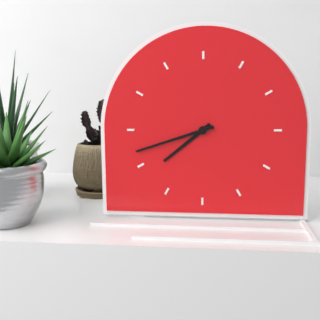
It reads 7h42
